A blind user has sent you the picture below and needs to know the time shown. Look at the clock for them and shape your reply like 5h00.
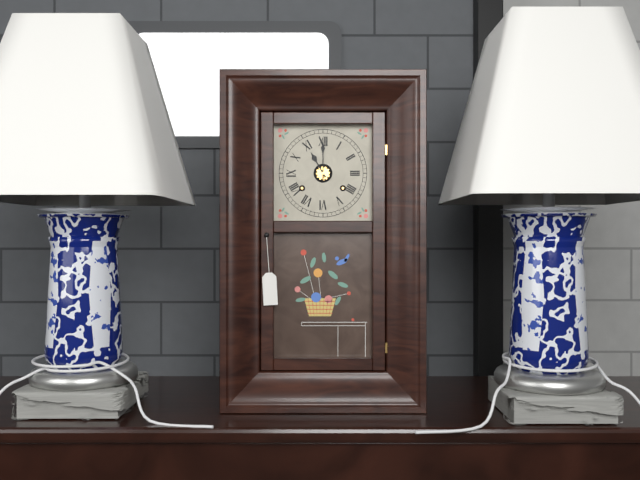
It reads 11h00
